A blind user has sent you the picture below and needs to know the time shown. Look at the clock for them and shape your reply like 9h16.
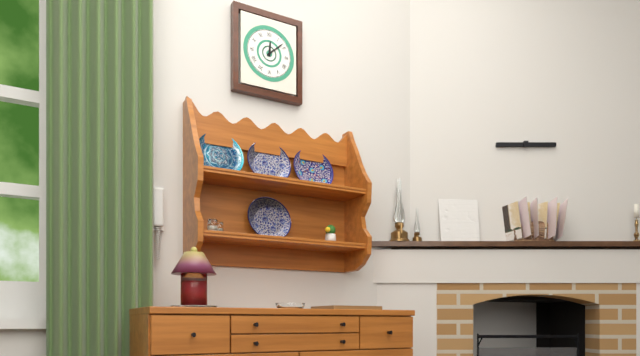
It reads 12h08
